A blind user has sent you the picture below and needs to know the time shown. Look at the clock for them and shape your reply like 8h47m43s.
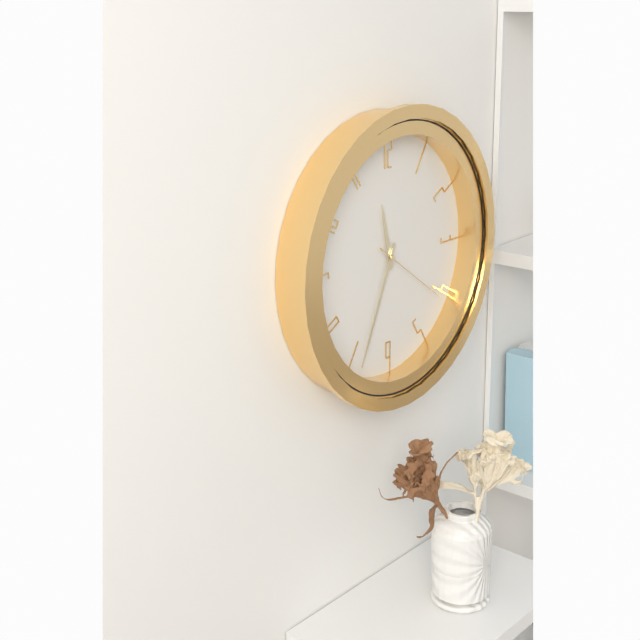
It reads 11h34m21s
